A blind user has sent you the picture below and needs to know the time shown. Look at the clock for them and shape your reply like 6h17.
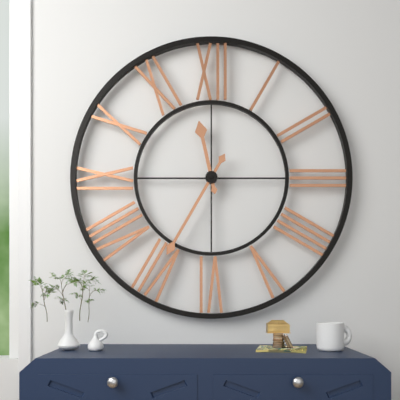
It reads 11h35
